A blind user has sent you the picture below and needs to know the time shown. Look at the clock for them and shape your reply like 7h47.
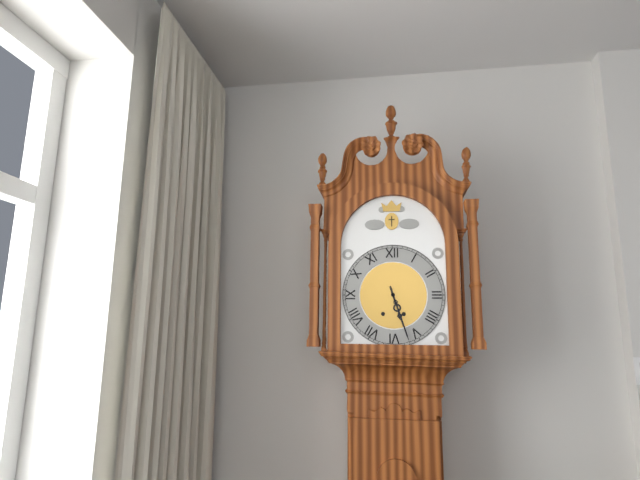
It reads 5h27
